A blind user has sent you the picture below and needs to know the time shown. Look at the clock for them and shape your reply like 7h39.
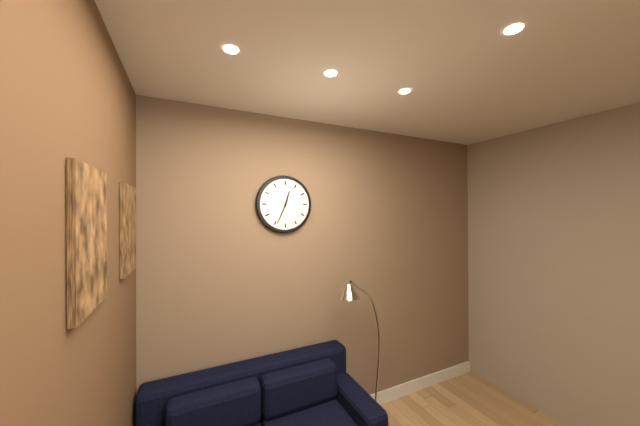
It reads 12h34
